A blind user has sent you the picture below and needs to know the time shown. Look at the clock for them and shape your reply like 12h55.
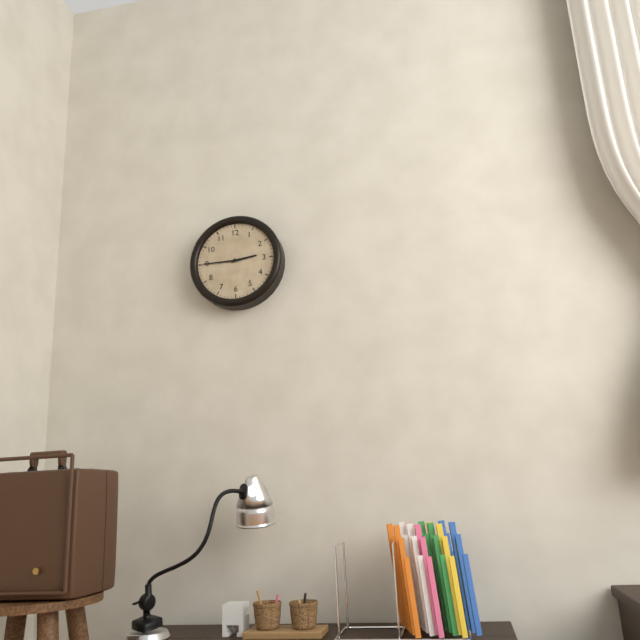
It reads 2h45
